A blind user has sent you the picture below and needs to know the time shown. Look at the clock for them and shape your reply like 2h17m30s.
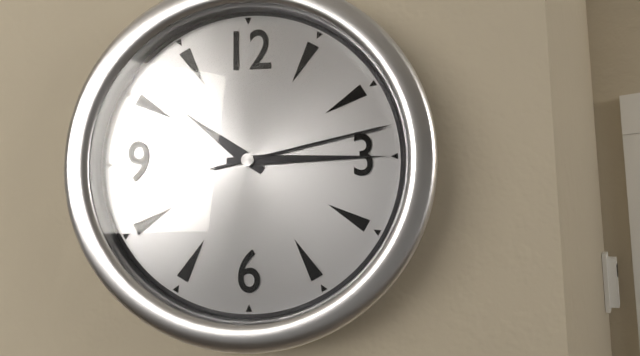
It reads 10h15m13s
